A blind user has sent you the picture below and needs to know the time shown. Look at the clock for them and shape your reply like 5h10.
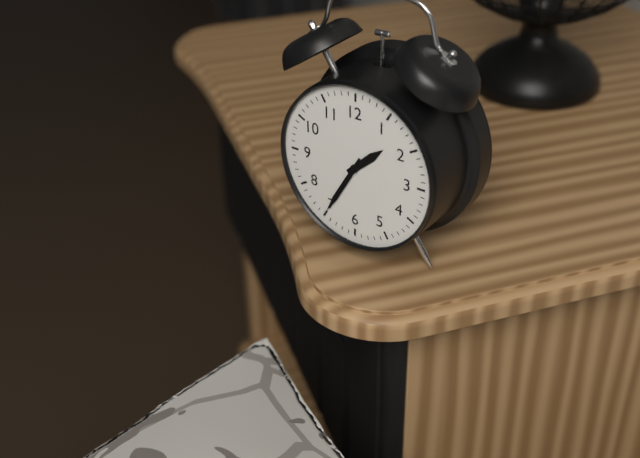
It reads 1h35
